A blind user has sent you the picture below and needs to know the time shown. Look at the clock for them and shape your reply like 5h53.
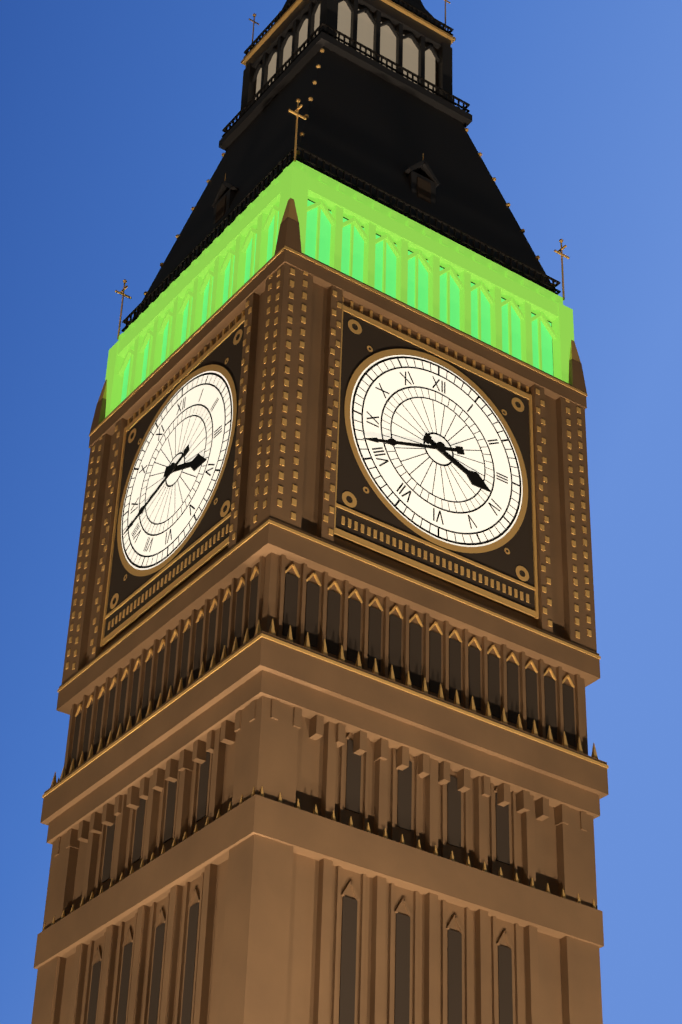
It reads 3h42
